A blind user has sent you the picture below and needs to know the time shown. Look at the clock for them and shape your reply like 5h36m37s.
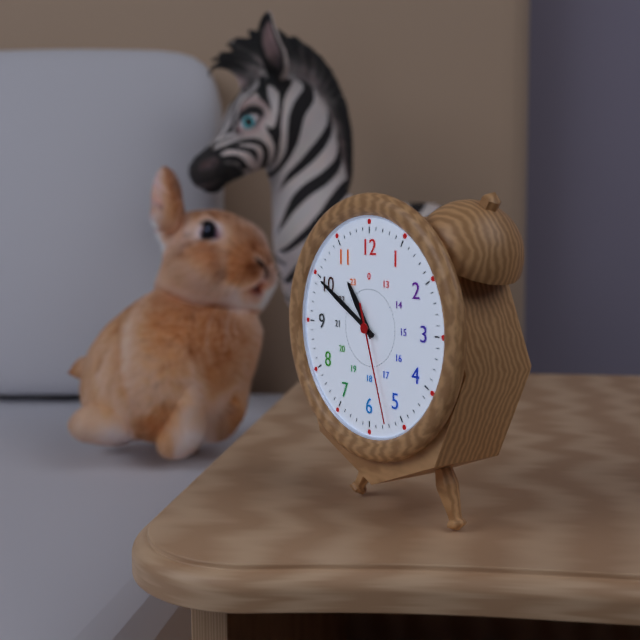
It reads 10h50m27s
